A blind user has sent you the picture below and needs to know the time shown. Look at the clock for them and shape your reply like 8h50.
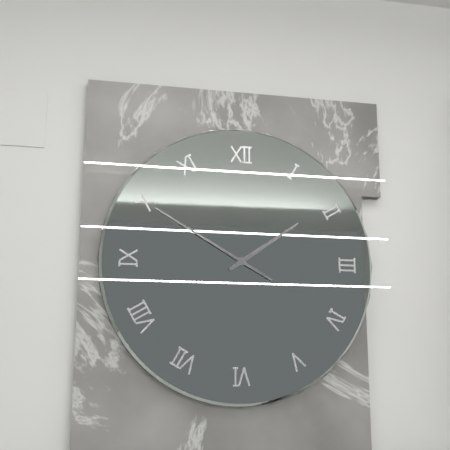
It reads 1h50
